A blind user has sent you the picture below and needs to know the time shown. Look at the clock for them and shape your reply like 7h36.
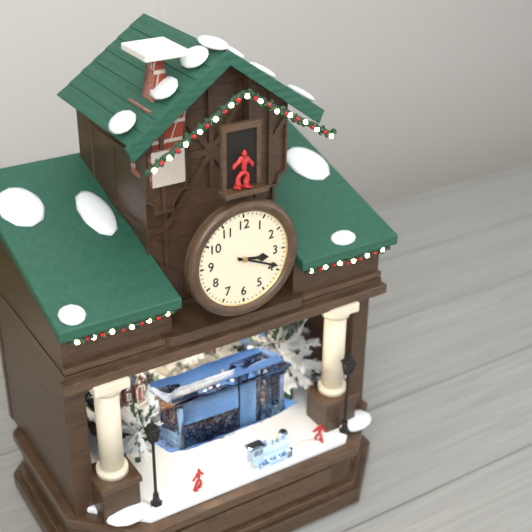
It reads 3h19
